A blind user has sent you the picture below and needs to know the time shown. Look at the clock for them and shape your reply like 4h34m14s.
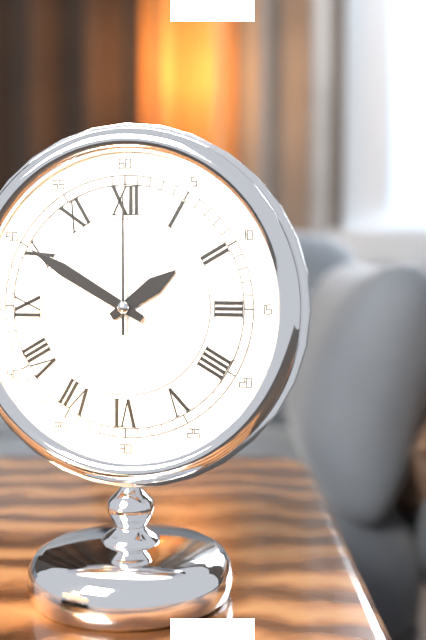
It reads 1h50m00s
